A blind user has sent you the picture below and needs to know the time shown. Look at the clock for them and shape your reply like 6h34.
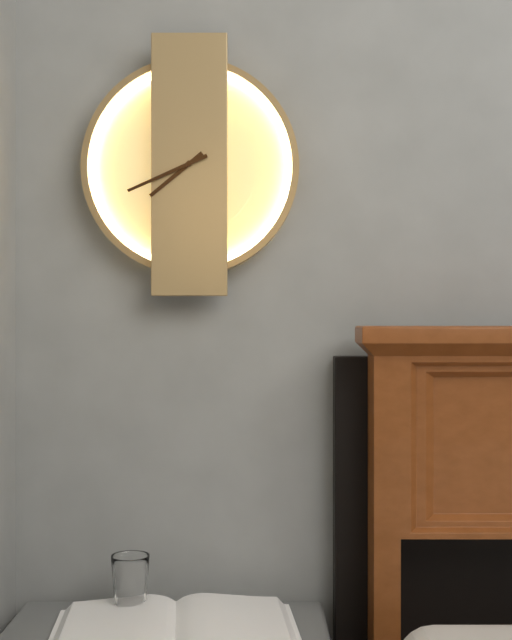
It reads 7h41
